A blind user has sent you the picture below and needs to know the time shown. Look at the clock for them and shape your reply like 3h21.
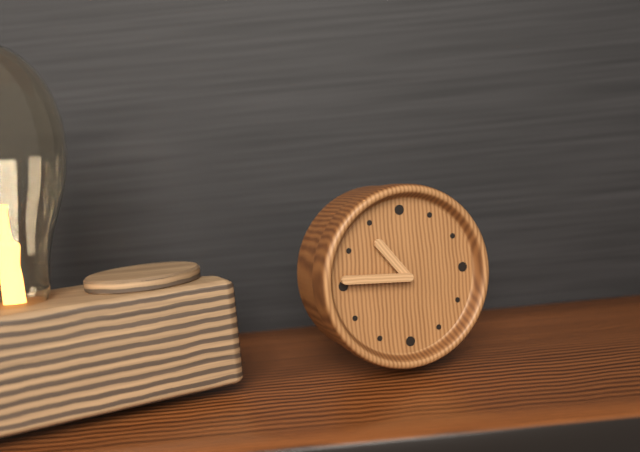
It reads 10h46
